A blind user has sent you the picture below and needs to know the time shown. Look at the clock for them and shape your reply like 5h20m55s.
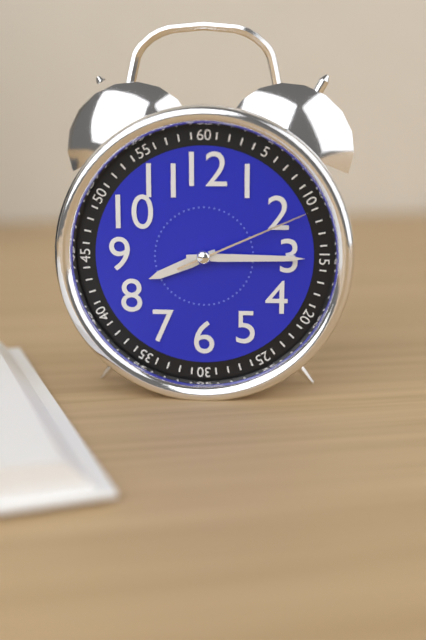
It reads 8h15m11s
